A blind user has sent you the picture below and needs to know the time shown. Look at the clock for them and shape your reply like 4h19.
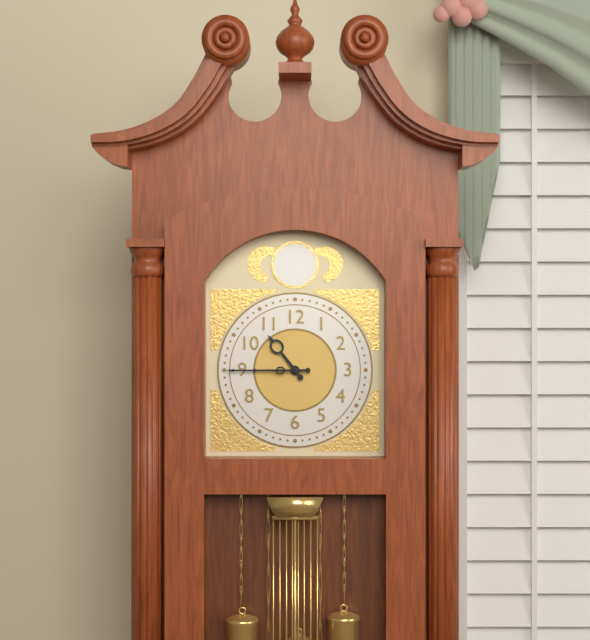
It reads 10h45
